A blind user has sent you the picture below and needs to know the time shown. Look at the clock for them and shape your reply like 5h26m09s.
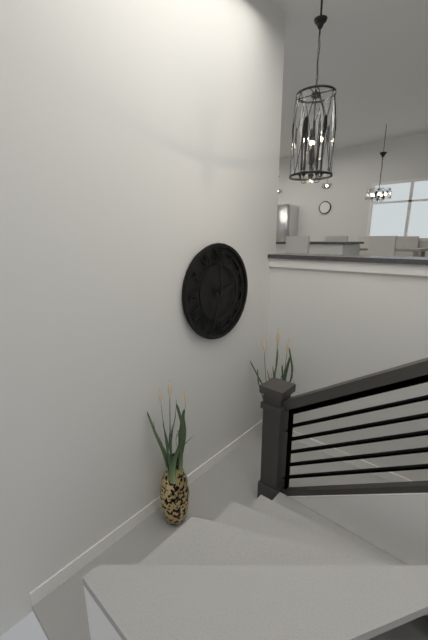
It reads 2h33m59s
